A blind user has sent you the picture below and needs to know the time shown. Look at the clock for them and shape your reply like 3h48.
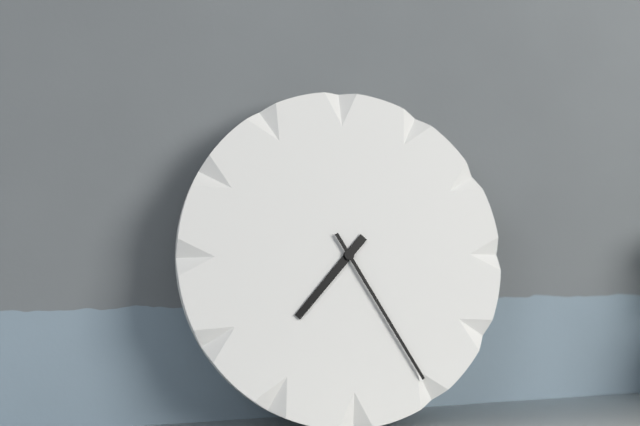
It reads 7h25
